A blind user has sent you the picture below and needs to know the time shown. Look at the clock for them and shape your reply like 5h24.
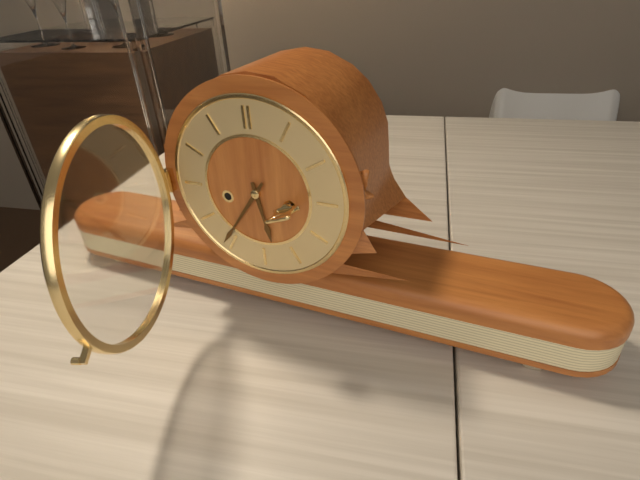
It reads 5h36
